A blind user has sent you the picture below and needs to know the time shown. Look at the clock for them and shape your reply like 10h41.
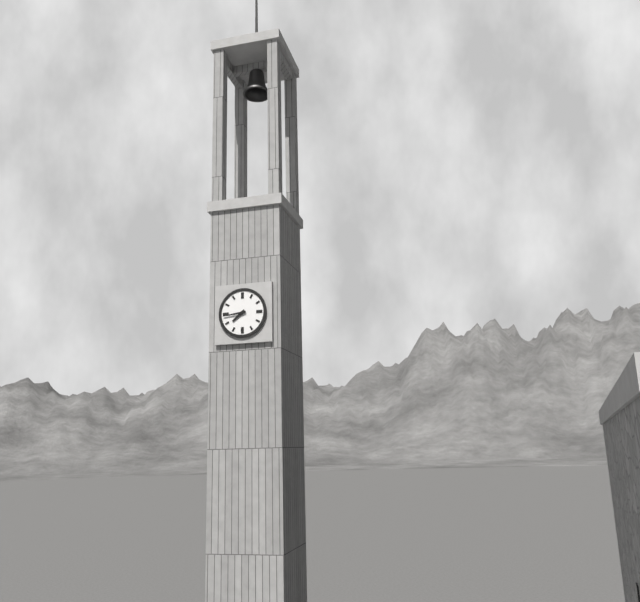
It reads 7h44
